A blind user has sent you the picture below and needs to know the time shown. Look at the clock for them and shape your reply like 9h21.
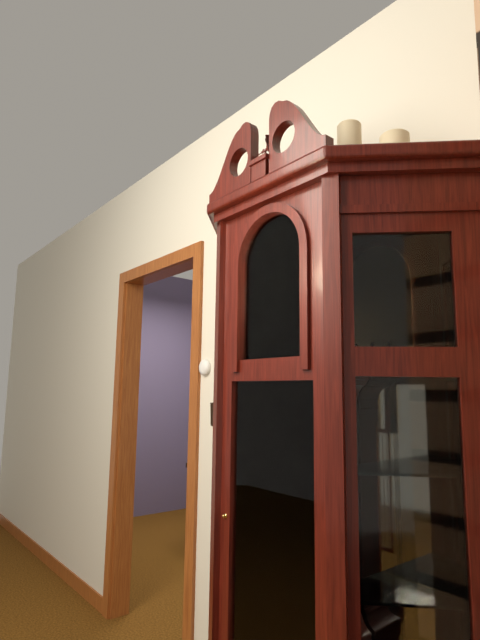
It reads 5h18
